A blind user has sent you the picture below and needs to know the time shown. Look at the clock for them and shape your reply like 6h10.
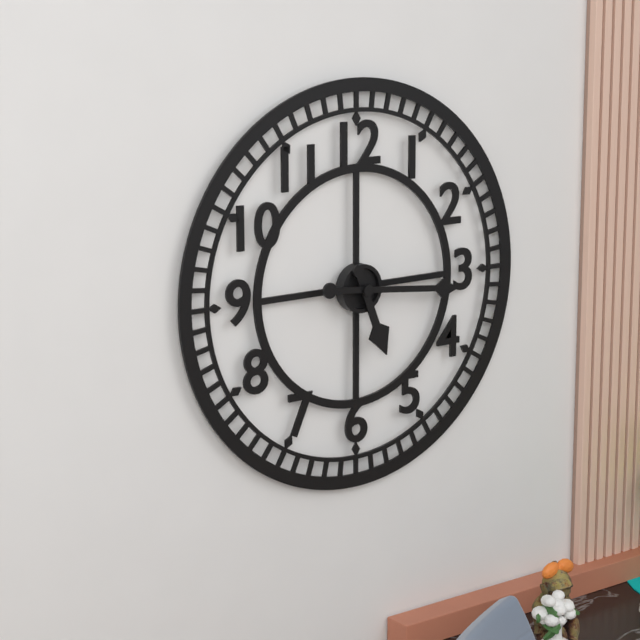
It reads 5h16
